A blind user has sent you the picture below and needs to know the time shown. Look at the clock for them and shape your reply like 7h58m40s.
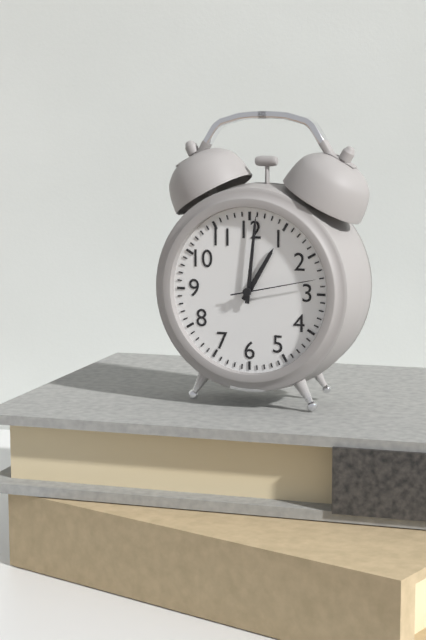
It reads 1h01m13s
